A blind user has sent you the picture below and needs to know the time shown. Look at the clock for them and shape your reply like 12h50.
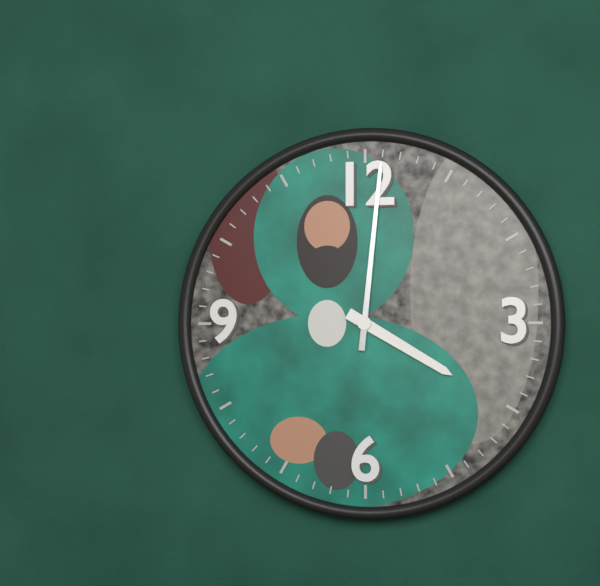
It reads 4h01
